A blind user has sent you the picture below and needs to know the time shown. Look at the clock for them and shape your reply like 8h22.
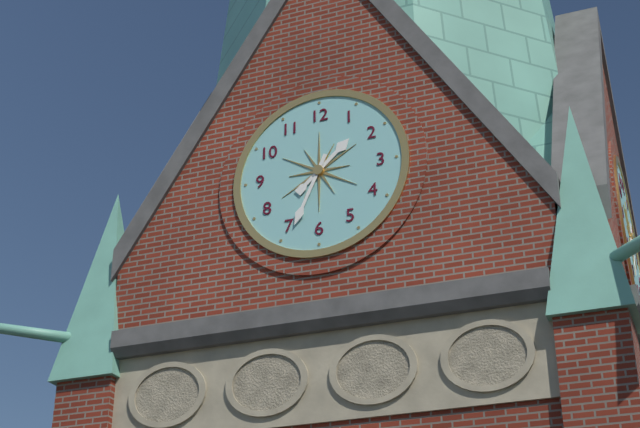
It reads 1h34
